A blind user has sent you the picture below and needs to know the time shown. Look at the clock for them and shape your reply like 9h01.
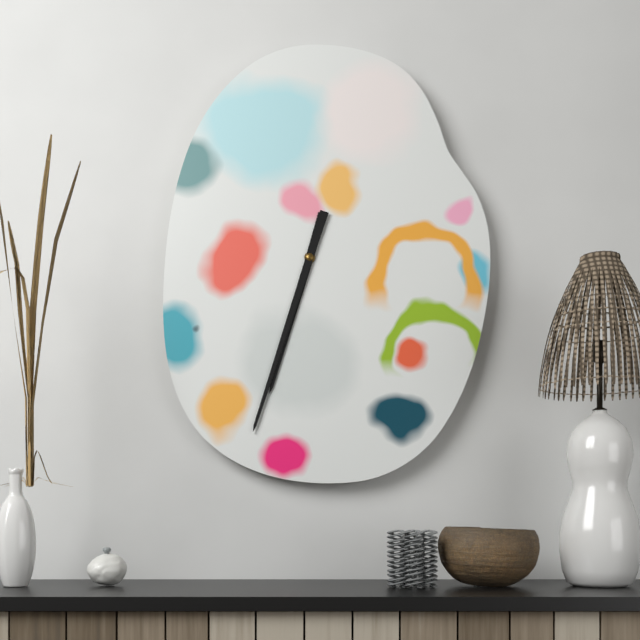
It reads 6h33
